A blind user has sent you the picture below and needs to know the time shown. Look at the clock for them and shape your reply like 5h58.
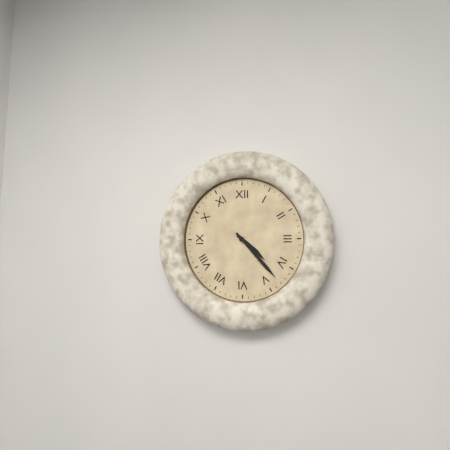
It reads 4h23
